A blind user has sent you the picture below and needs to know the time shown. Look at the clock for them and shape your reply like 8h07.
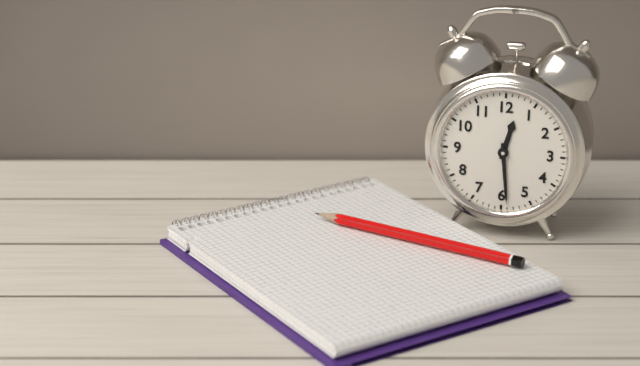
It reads 12h29
